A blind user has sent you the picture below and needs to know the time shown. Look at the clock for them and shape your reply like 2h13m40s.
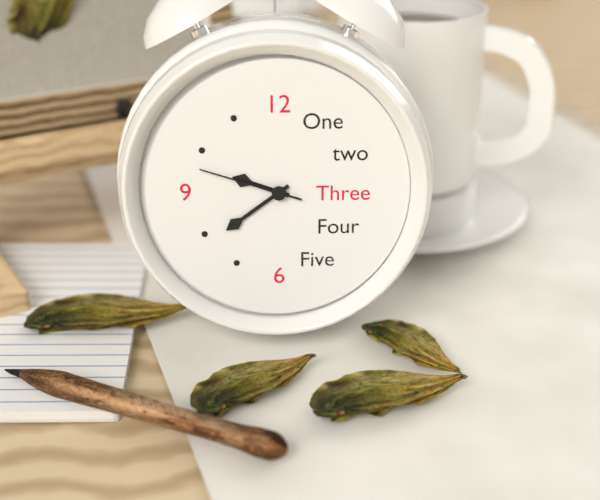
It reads 9h39m48s
